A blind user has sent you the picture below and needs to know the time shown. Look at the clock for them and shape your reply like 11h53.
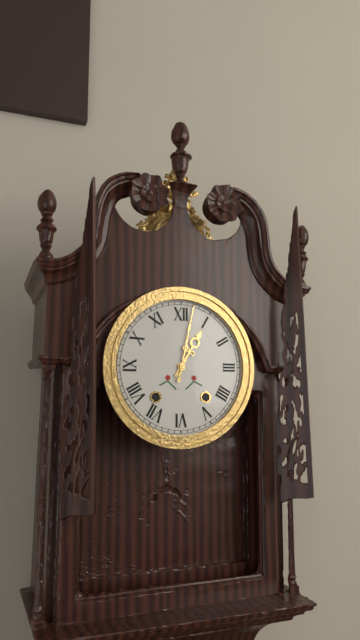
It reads 1h02
